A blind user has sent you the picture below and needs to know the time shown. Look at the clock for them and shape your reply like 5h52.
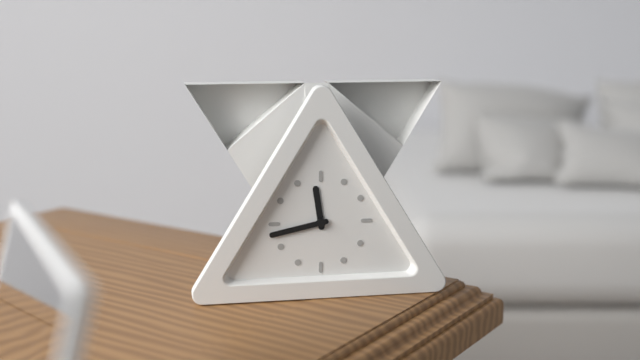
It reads 11h43
